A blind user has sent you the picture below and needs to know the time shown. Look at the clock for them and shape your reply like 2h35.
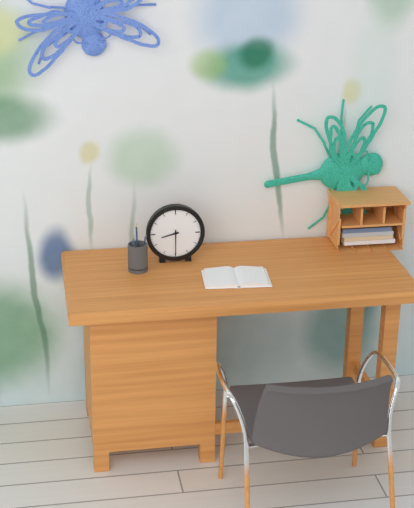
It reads 8h30
